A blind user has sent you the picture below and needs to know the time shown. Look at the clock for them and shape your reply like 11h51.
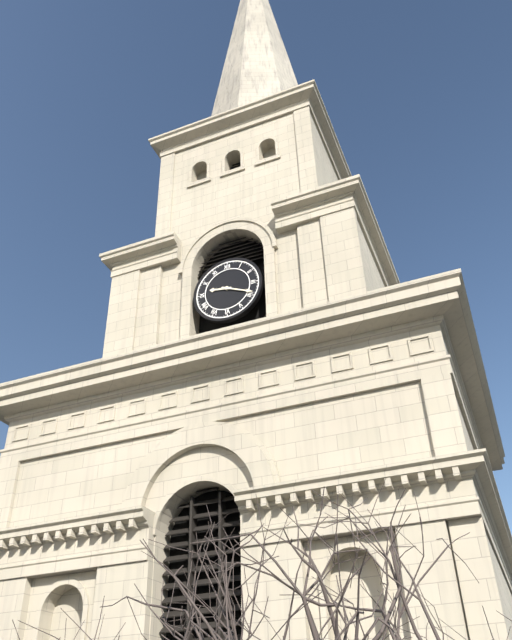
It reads 9h19
